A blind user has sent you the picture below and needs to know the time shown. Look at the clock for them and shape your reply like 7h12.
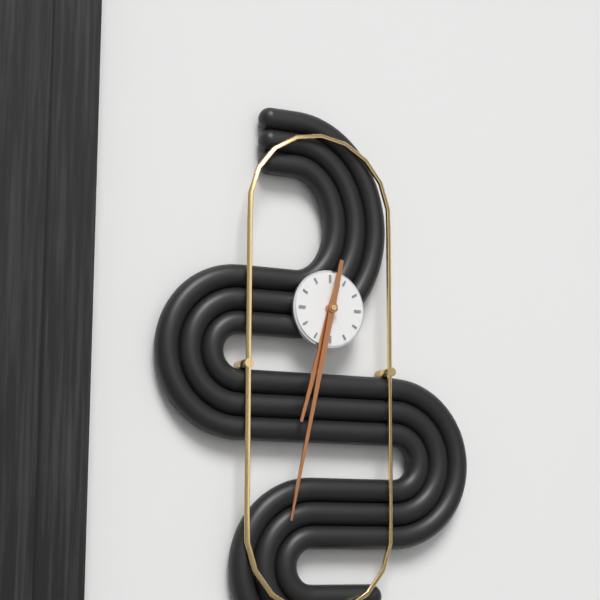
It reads 6h32
